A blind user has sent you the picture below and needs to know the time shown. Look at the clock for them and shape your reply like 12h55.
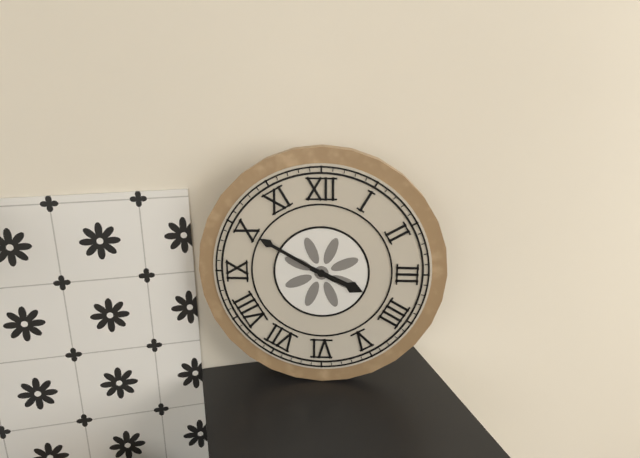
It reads 3h50
